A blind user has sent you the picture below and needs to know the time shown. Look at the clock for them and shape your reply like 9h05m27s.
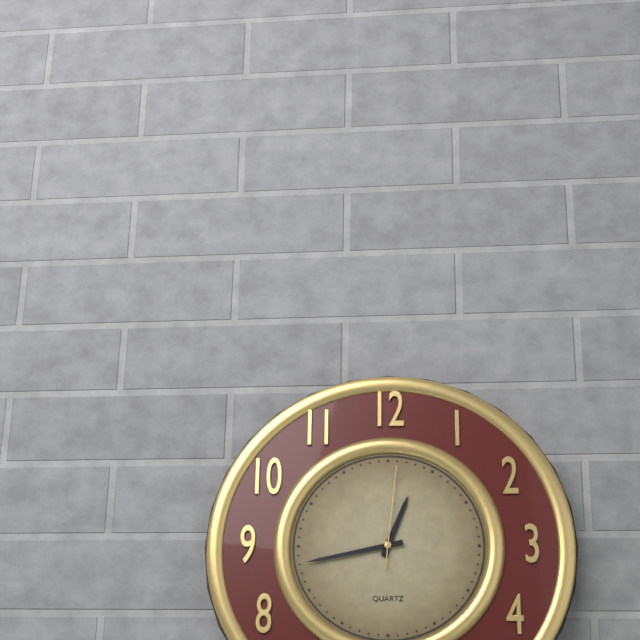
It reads 12h43m01s
